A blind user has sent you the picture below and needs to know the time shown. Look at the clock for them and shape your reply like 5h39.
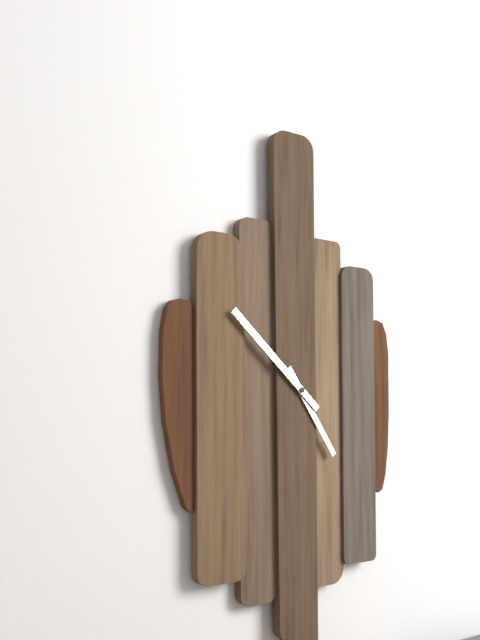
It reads 4h52
